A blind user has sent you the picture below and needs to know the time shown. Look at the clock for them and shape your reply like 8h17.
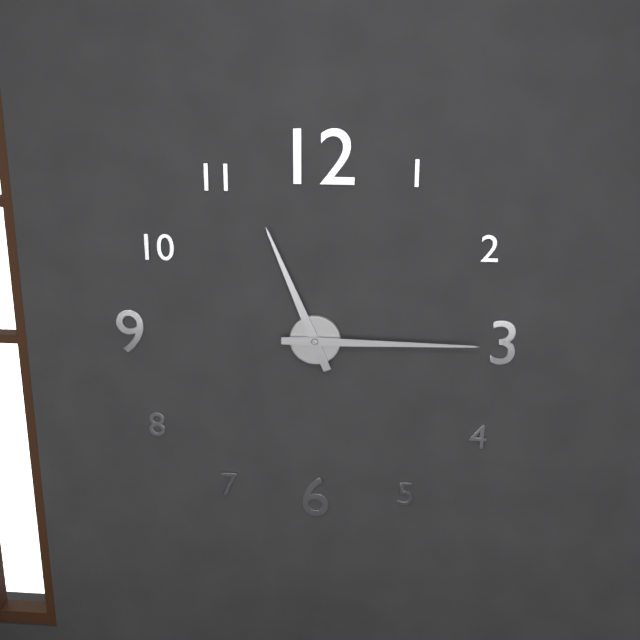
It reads 11h15
